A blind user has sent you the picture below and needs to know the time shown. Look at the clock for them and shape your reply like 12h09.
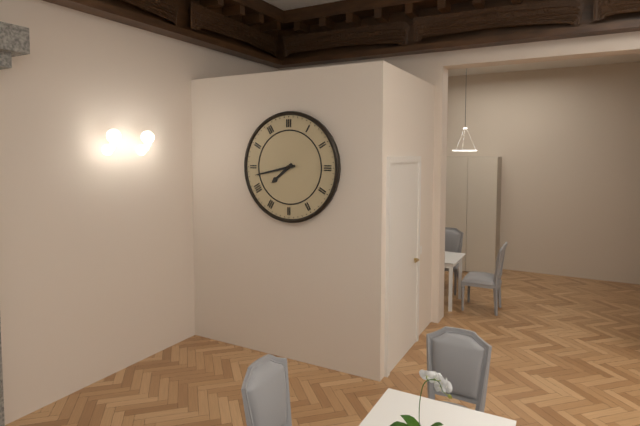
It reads 7h43
